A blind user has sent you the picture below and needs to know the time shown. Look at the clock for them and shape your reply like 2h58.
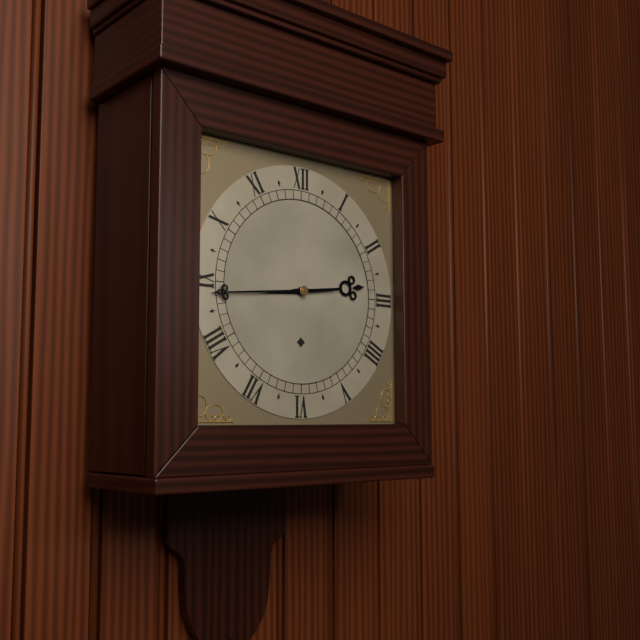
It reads 2h44
